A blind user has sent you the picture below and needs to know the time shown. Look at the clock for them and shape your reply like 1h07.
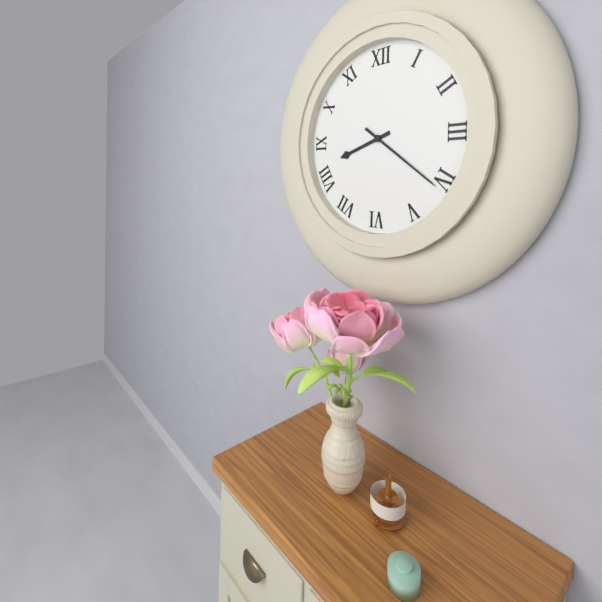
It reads 8h21
